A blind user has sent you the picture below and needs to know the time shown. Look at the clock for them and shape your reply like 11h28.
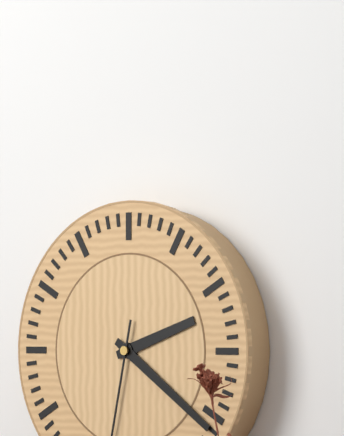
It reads 2h21
